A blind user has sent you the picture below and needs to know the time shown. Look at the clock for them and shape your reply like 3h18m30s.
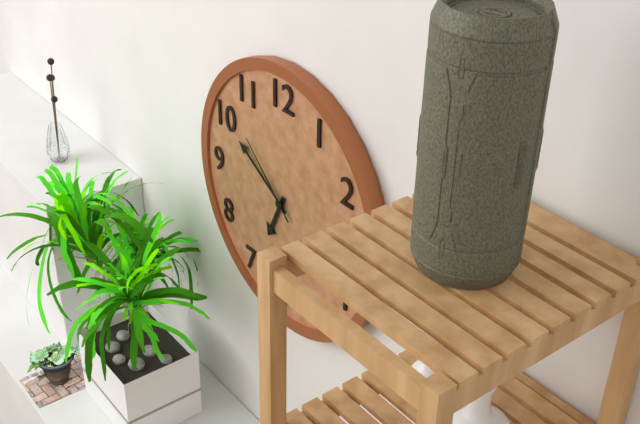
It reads 6h50m52s
